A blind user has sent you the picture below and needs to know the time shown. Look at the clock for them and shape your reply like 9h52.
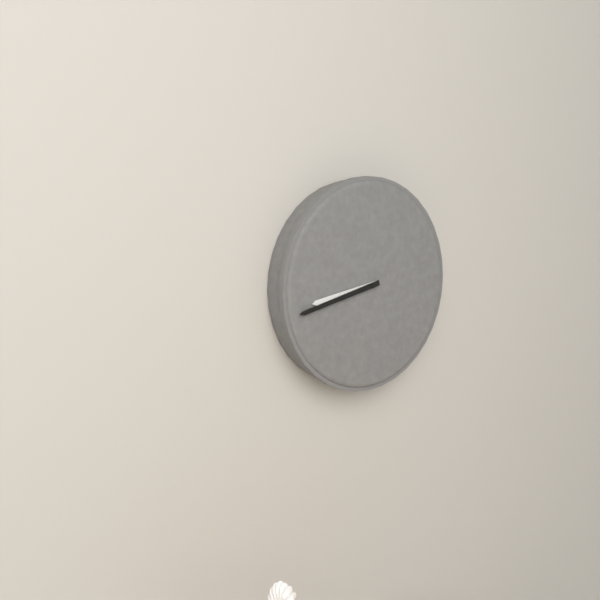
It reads 8h43
